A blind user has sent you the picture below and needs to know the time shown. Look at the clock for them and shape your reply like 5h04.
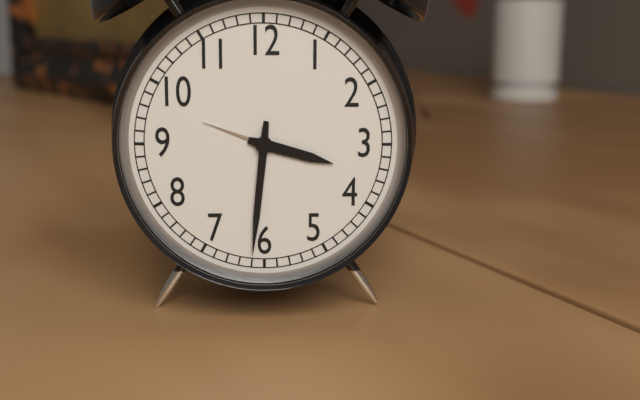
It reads 3h31
